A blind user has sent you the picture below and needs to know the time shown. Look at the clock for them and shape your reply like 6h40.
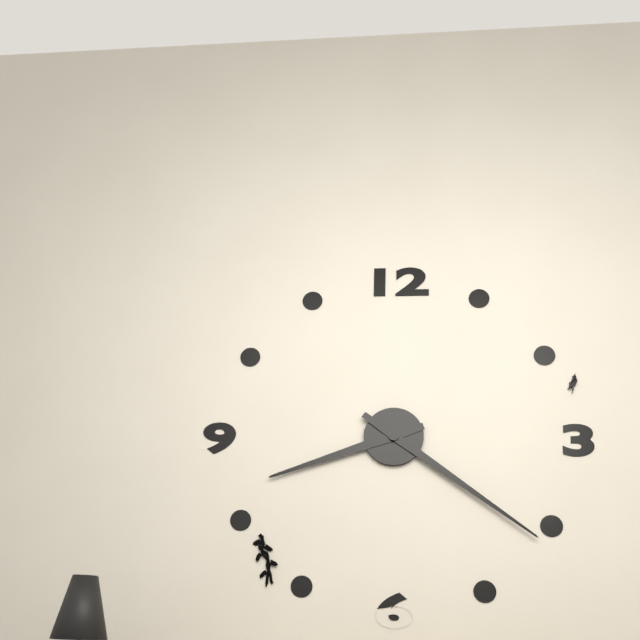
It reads 8h21
